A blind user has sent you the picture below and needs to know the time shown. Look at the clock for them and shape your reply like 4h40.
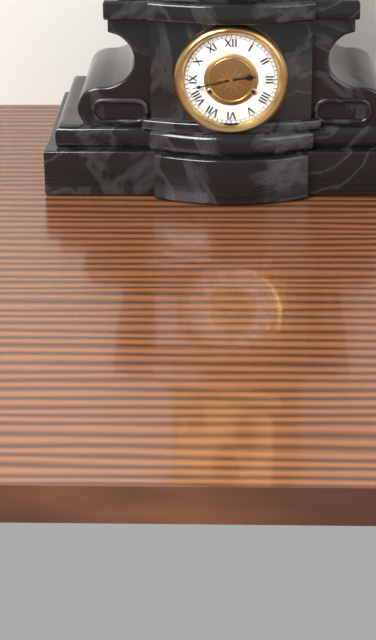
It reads 2h43
